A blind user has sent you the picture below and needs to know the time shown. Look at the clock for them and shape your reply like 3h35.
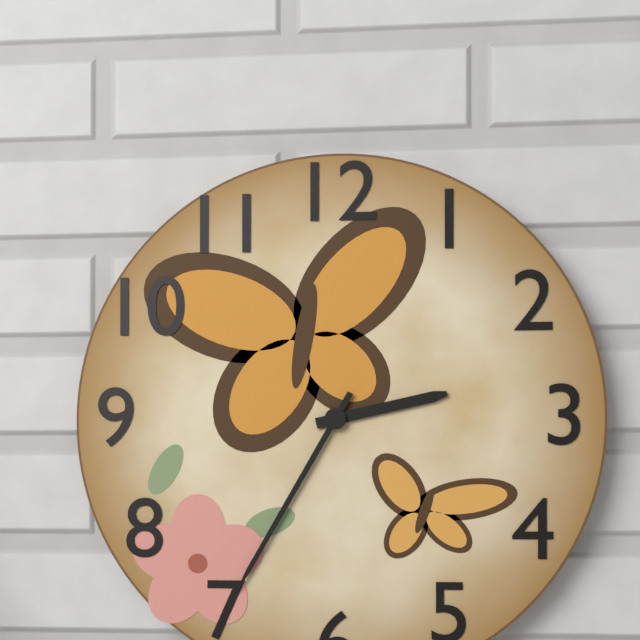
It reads 2h35
